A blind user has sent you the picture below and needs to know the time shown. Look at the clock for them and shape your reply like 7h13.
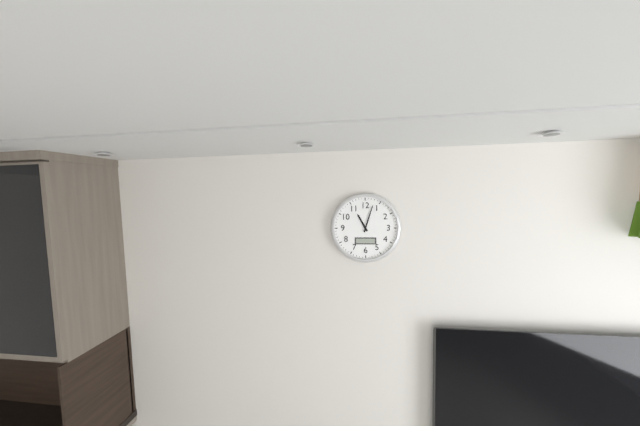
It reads 11h03
